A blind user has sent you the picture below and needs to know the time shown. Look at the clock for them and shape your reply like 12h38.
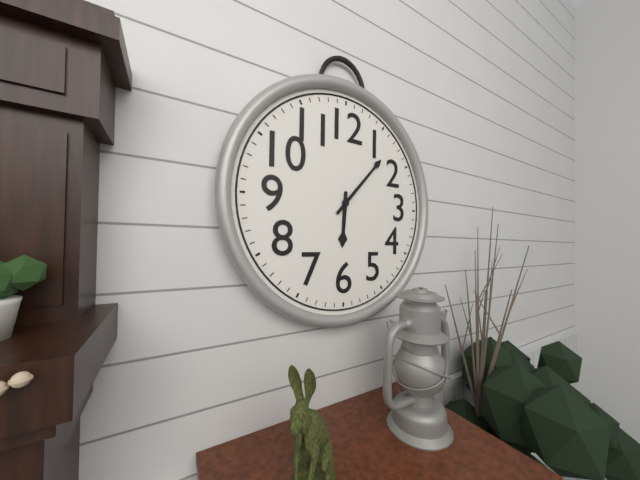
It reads 6h07
